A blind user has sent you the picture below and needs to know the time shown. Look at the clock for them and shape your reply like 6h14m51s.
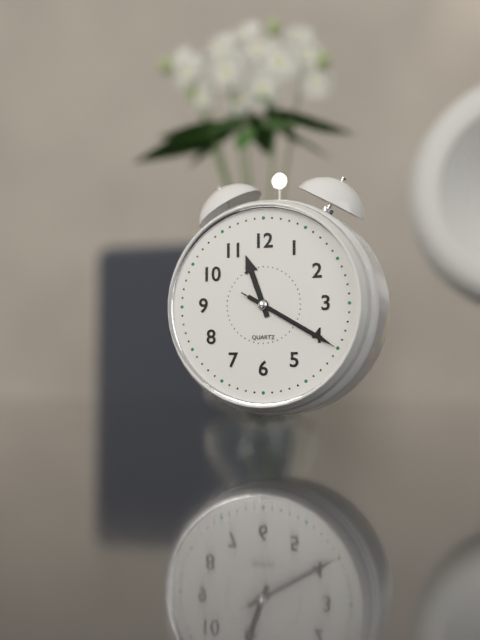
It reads 11h20m20s
